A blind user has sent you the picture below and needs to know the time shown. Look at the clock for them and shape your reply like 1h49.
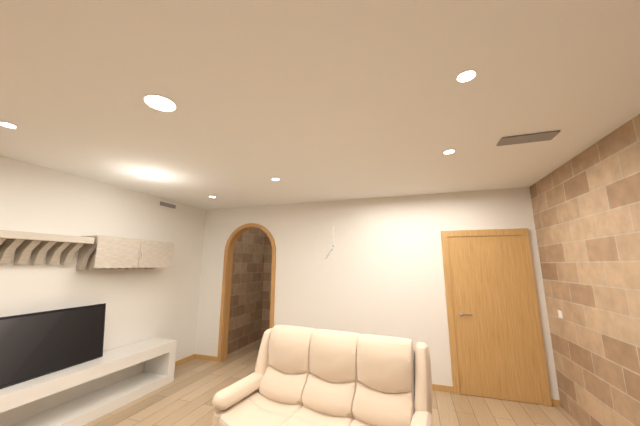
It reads 7h01
